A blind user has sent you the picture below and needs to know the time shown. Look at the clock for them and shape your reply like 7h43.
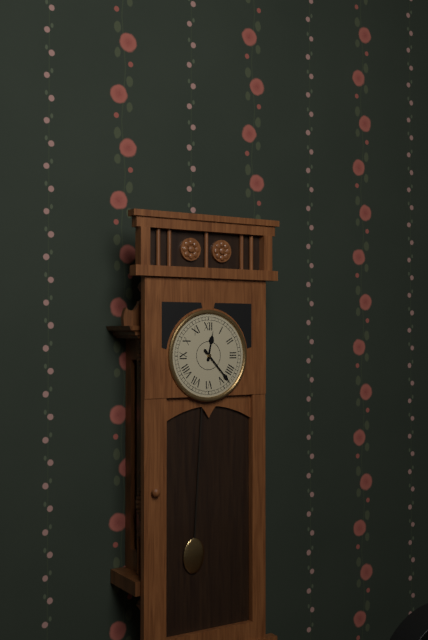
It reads 12h23
